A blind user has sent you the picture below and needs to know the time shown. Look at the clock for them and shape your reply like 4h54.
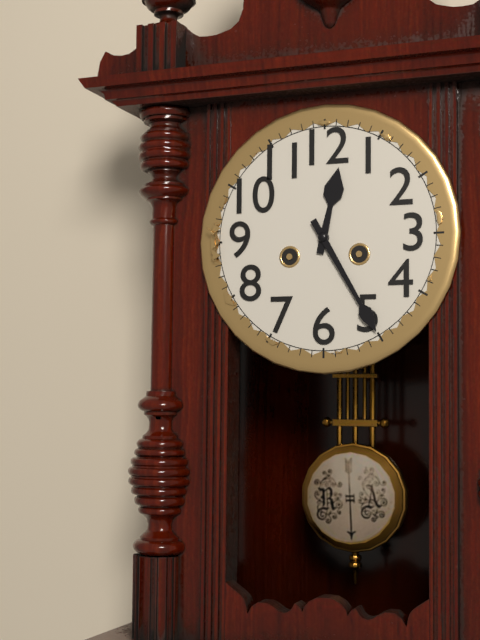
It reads 12h25
